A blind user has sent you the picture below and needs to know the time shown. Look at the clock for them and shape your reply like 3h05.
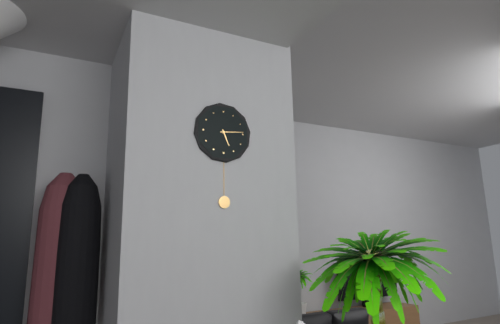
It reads 5h14
